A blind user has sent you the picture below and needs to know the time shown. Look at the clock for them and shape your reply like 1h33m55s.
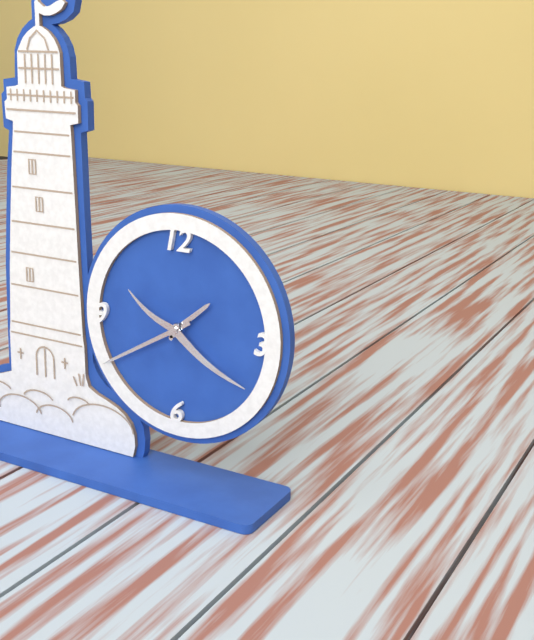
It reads 1h40m20s
